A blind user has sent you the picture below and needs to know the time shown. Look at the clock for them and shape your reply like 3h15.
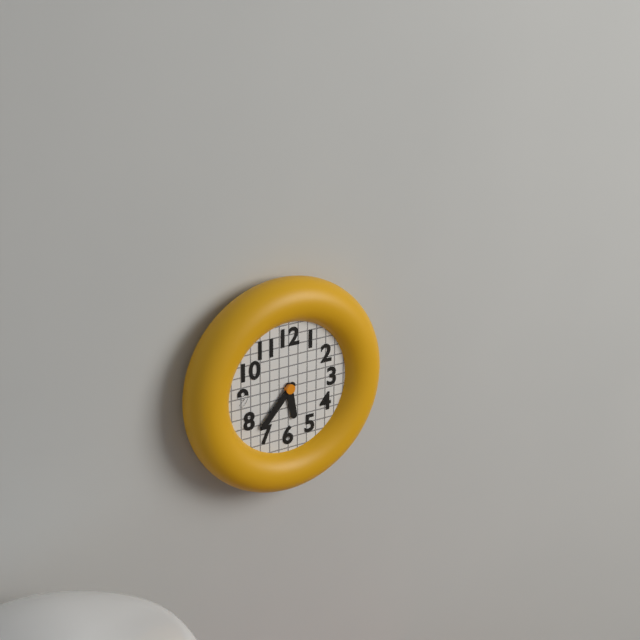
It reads 5h37
